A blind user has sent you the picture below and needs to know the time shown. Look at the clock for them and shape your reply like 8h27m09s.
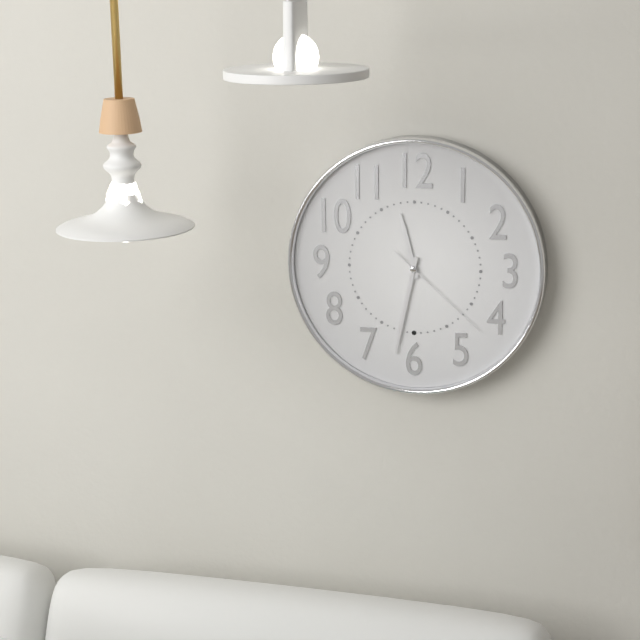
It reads 11h32m22s
